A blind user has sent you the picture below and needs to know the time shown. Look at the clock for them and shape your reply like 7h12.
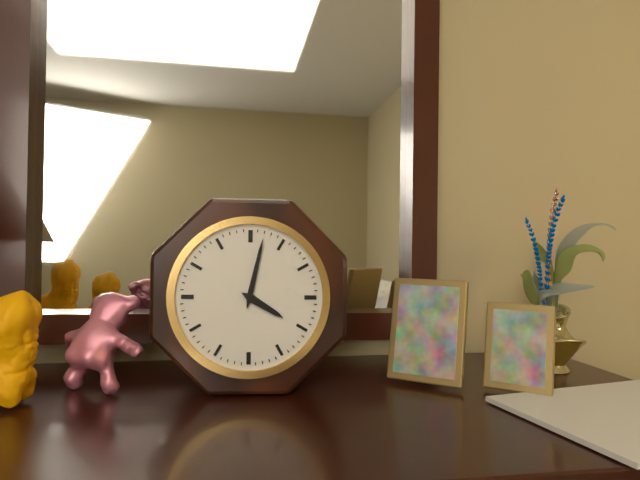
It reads 4h02
